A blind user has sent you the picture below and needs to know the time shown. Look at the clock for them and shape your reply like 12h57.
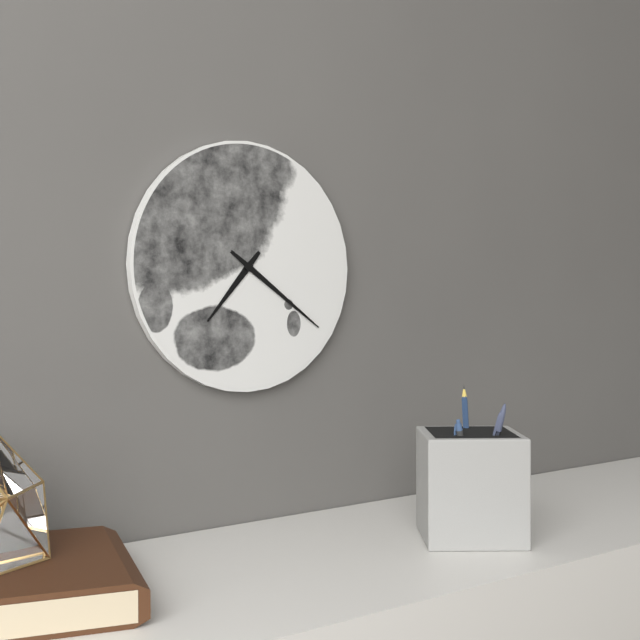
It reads 7h21
